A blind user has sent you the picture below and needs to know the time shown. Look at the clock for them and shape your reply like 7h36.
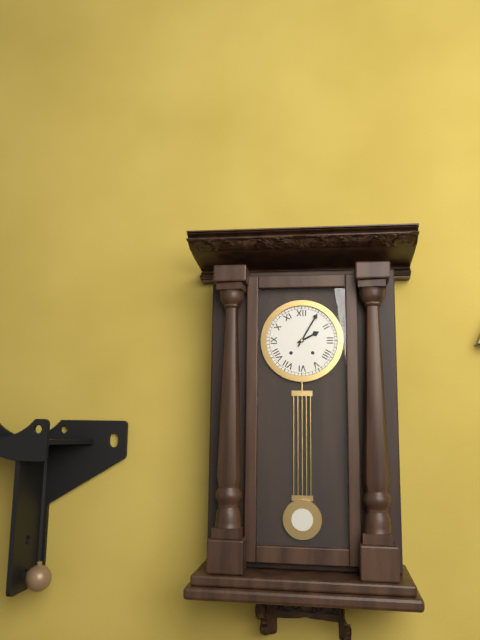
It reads 2h05
